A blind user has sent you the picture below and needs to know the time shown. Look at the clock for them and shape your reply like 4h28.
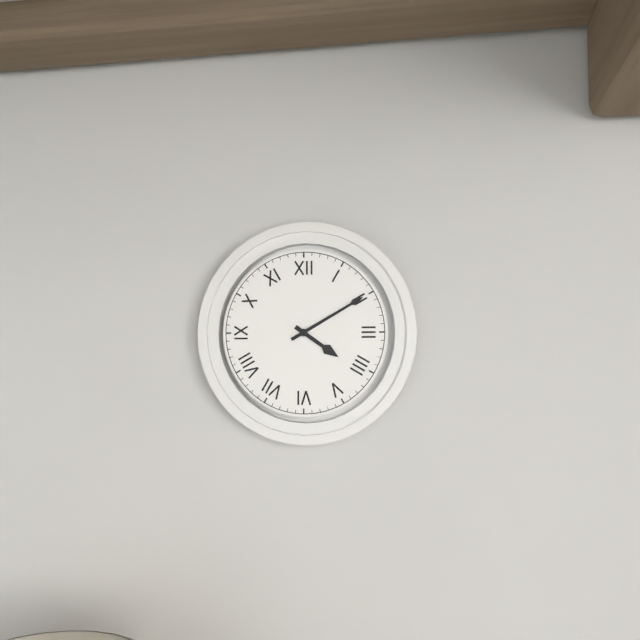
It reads 4h10
